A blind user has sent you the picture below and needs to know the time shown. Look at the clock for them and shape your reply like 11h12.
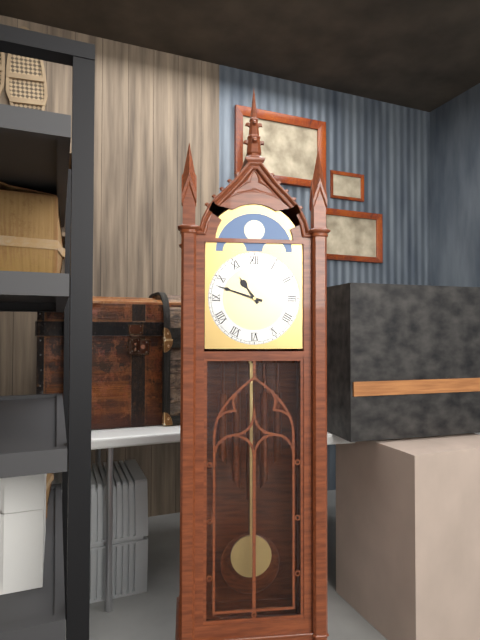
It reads 10h48
